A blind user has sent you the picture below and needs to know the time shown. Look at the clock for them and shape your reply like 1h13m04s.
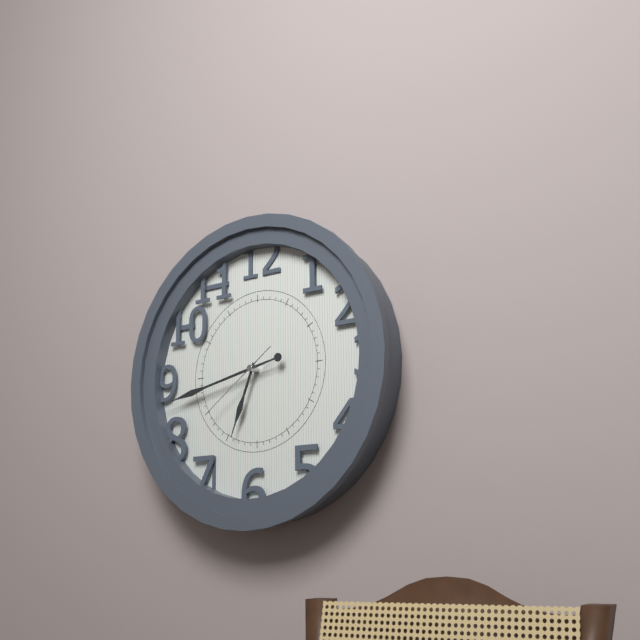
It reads 6h43m39s
